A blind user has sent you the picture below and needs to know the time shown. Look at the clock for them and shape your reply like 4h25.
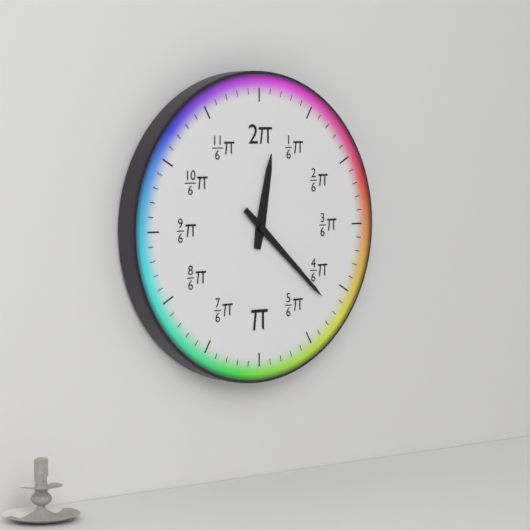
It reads 12h22
